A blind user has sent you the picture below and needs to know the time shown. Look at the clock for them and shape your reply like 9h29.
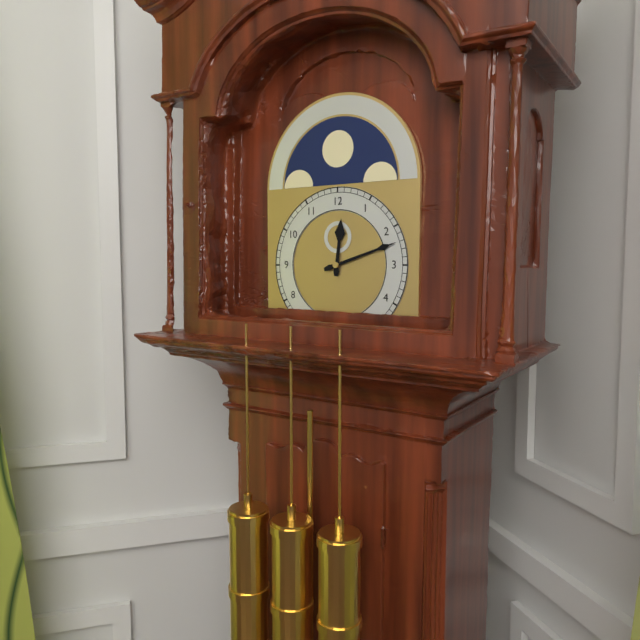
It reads 12h12
